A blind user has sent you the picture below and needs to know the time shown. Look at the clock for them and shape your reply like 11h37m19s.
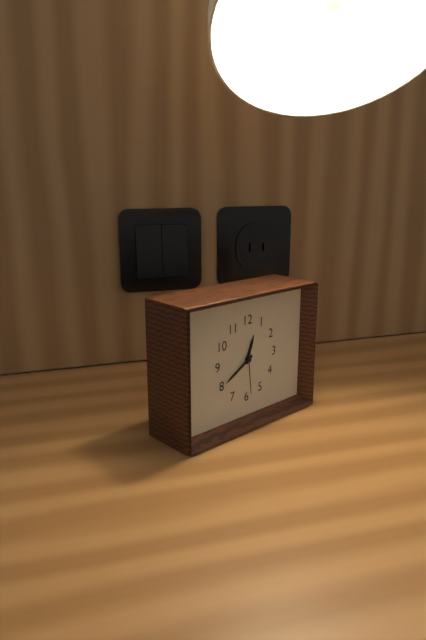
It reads 12h40m29s
